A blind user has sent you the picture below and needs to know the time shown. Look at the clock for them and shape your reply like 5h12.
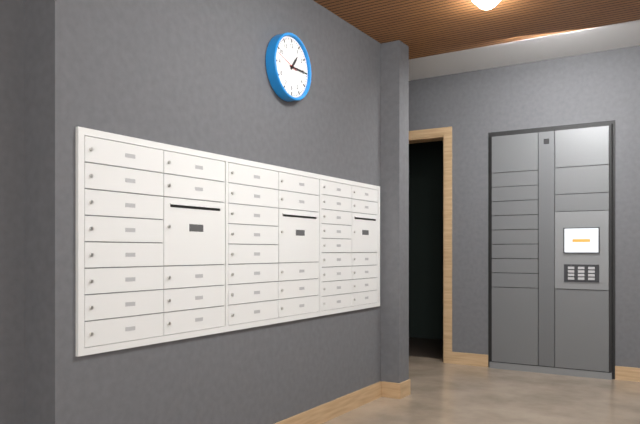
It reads 1h15
